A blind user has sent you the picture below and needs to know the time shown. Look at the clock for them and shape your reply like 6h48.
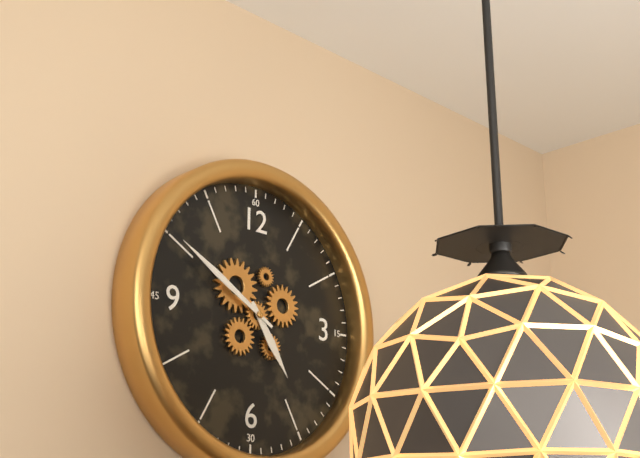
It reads 4h50
